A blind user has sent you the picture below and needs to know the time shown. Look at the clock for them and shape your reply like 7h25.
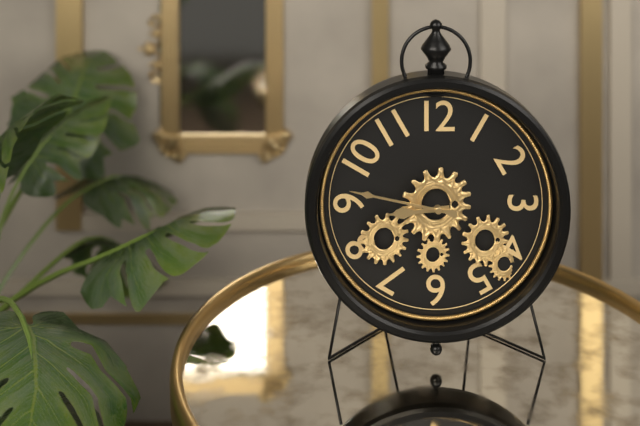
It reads 8h47
